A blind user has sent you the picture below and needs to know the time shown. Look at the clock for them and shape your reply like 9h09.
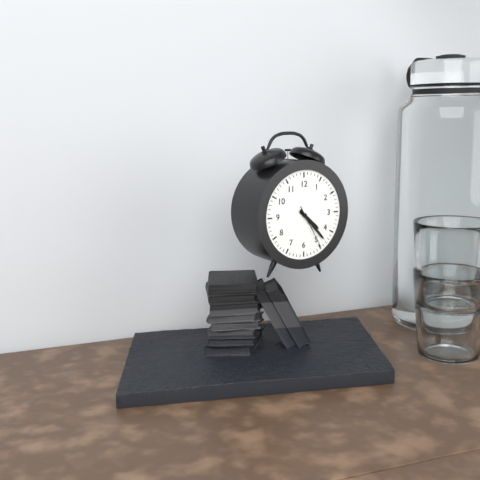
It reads 4h23
